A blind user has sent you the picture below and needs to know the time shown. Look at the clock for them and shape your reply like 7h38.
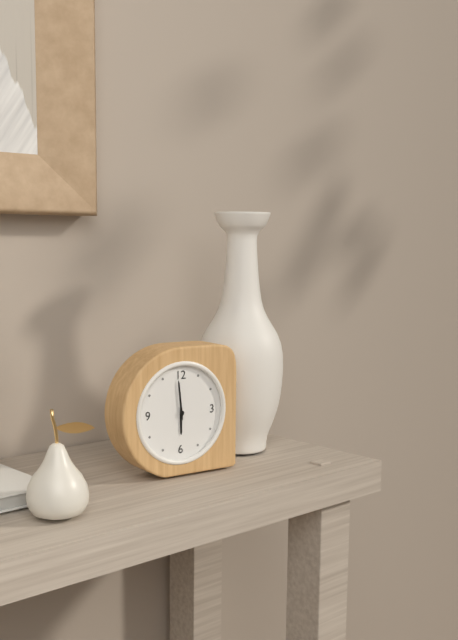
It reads 5h59
